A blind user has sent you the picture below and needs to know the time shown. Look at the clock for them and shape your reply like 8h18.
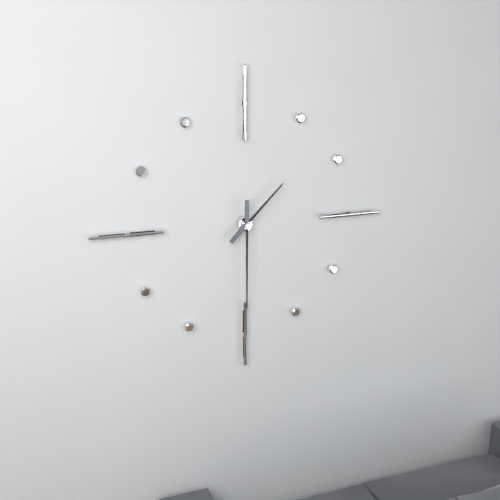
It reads 1h30
